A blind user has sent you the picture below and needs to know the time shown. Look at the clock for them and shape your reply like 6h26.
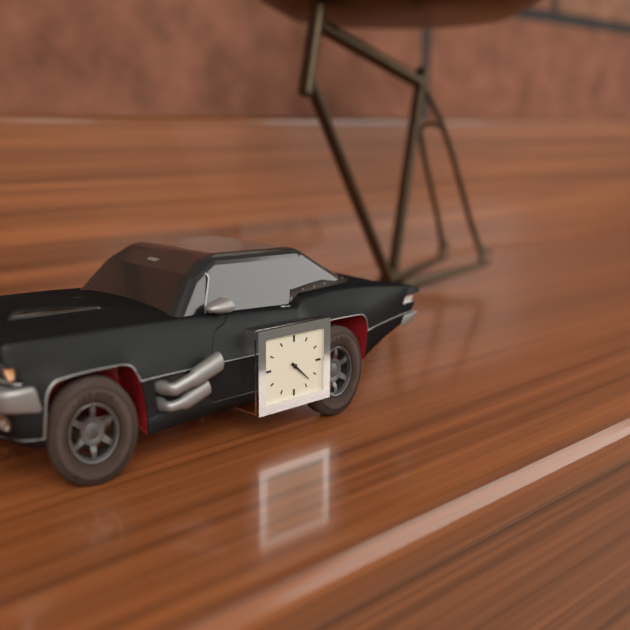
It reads 4h22
